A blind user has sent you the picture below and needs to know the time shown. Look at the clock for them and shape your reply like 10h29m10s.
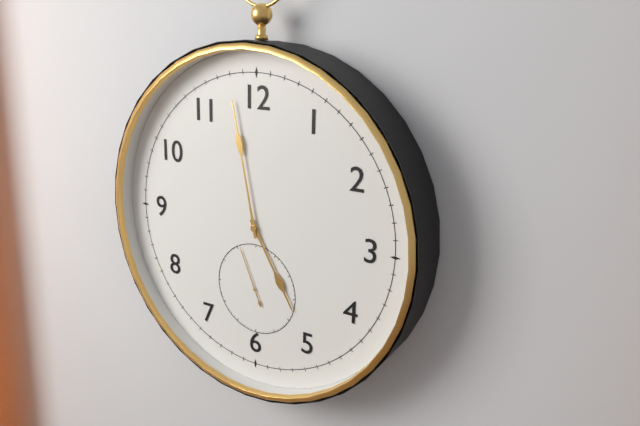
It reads 4h58m56s
